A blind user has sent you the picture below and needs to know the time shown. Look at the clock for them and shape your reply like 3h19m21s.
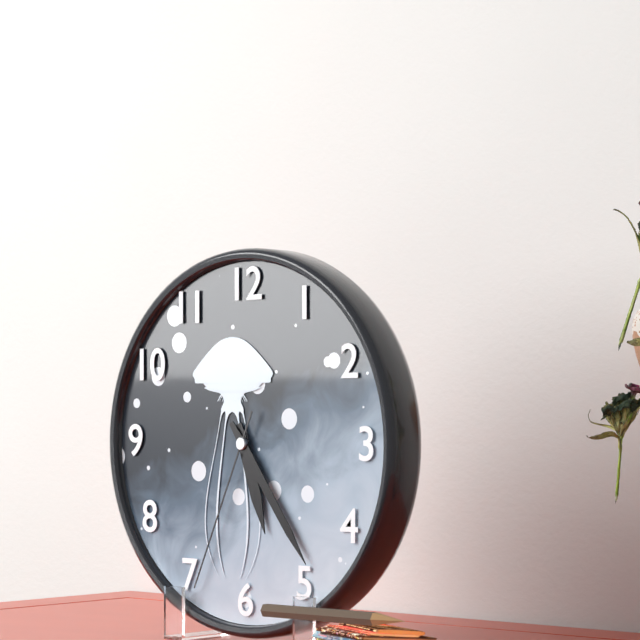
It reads 5h24m34s
